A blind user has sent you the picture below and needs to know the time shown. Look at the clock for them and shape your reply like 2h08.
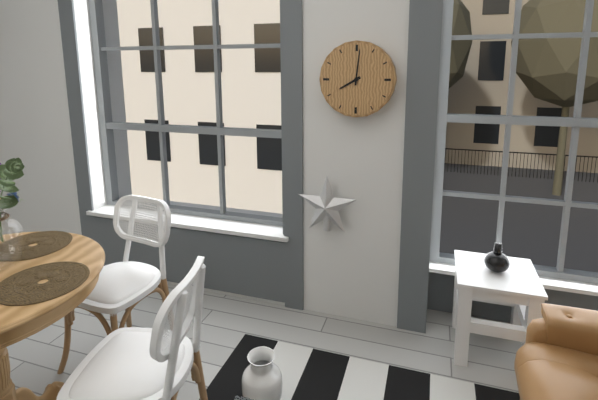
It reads 8h01
